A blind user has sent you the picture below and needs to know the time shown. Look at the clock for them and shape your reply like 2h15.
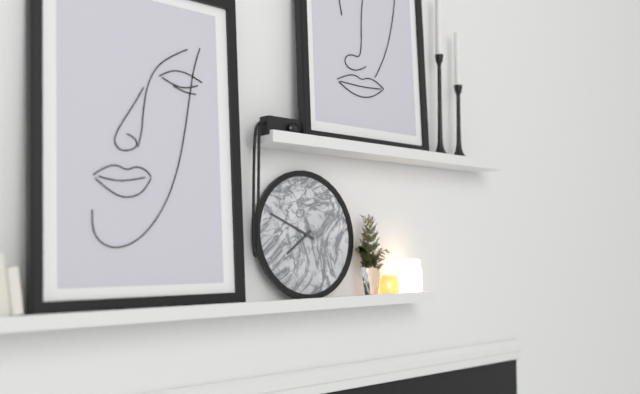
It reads 7h49
